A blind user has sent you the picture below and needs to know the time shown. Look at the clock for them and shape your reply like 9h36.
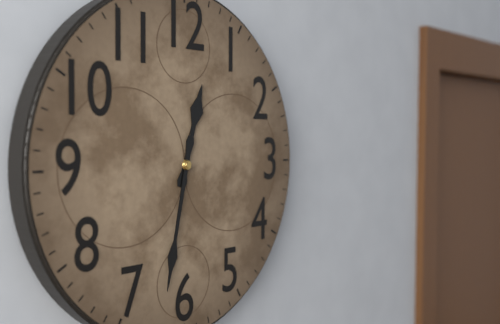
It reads 12h32
